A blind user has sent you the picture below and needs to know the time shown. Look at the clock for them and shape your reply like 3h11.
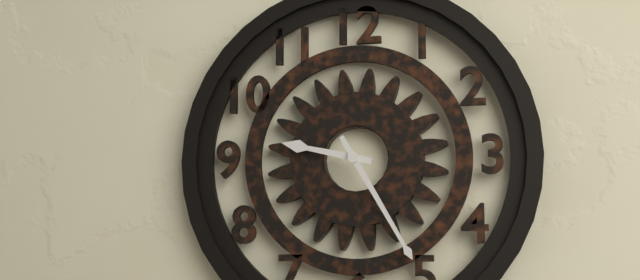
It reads 9h25
